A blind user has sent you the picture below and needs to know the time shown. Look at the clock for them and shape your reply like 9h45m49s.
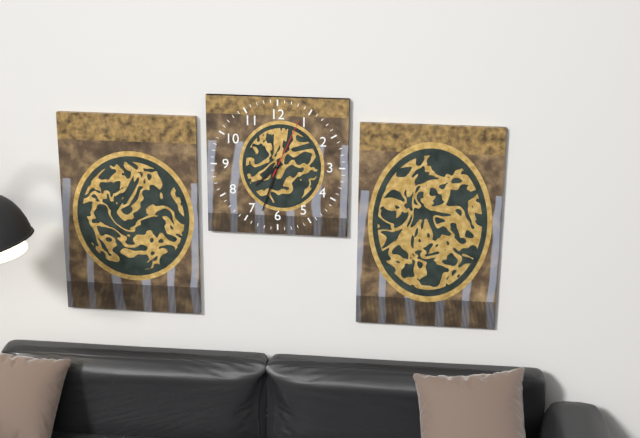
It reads 7h33m04s
